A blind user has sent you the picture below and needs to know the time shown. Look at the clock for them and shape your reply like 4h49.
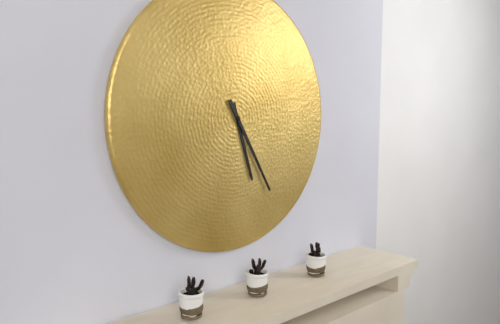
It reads 5h25
